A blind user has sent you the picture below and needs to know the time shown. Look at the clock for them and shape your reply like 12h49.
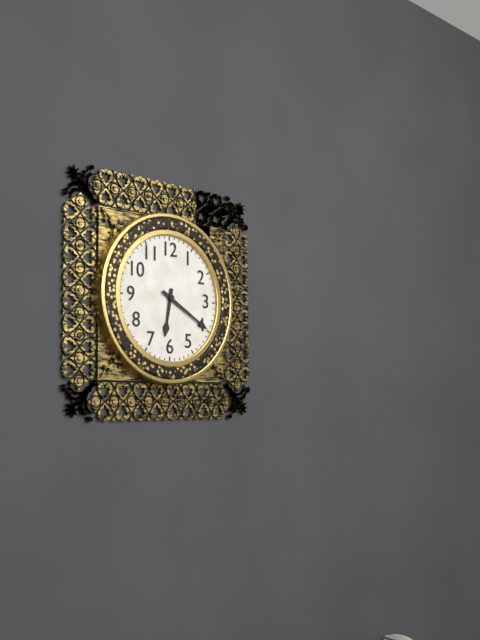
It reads 6h20
